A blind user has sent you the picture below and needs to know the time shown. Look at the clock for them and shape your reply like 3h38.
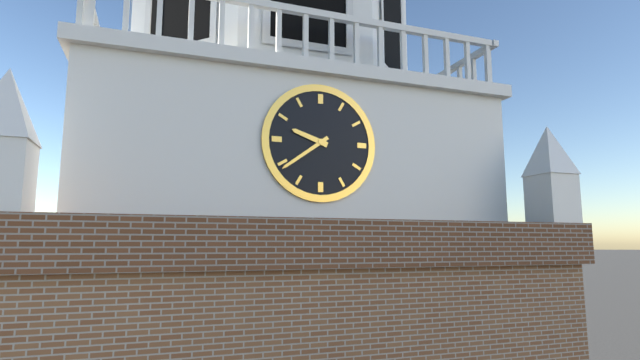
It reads 9h39
